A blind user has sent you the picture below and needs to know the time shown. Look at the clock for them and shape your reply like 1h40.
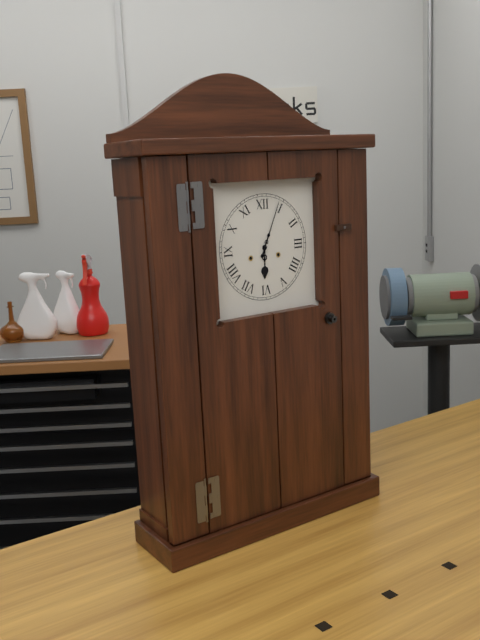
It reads 6h04
